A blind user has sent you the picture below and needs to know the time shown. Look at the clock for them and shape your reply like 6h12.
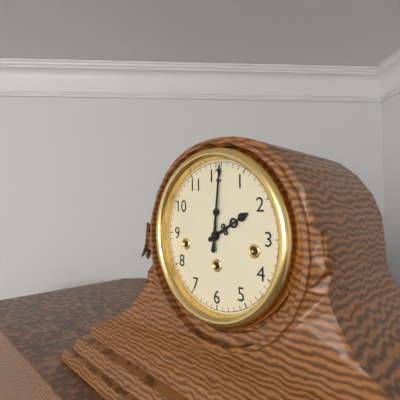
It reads 2h01
